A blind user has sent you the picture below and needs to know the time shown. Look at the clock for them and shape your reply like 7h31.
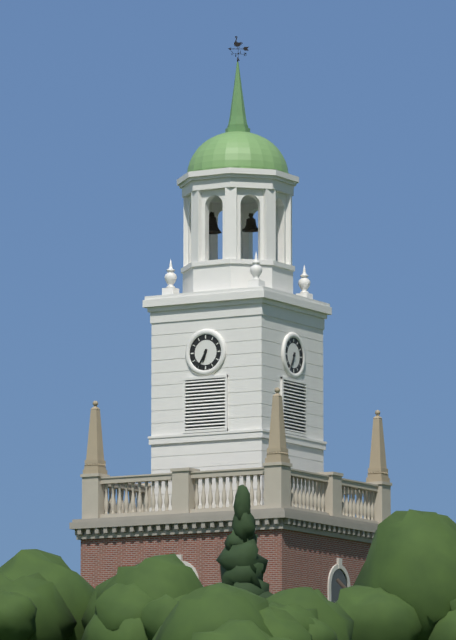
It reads 6h35
